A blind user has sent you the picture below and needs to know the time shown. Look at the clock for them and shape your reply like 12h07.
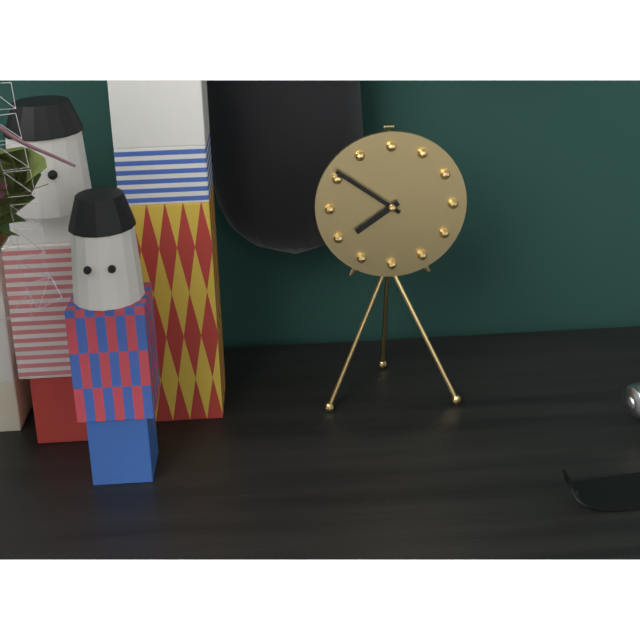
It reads 7h51
